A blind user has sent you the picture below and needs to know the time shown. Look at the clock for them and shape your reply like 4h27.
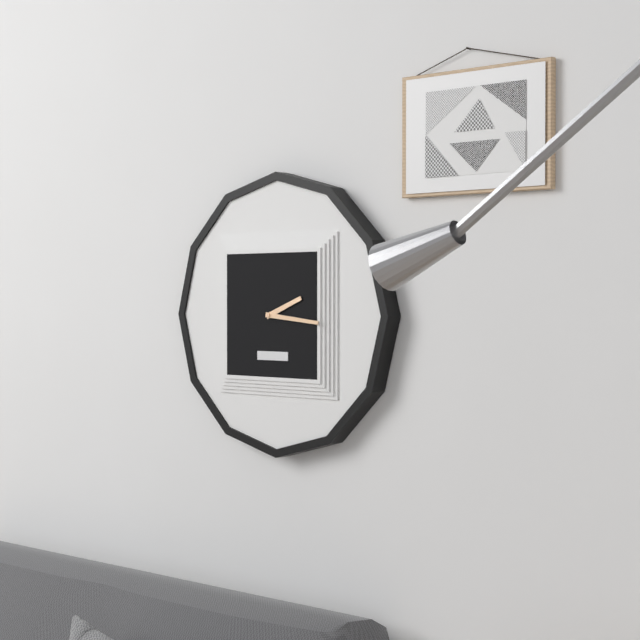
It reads 2h16
